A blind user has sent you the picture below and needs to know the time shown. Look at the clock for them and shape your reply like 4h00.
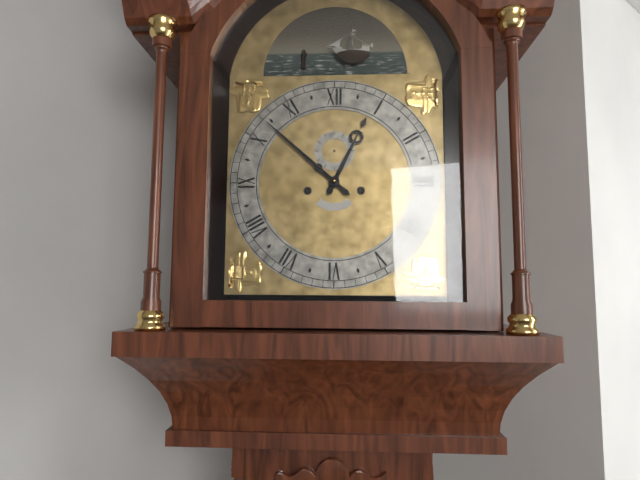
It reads 12h52
